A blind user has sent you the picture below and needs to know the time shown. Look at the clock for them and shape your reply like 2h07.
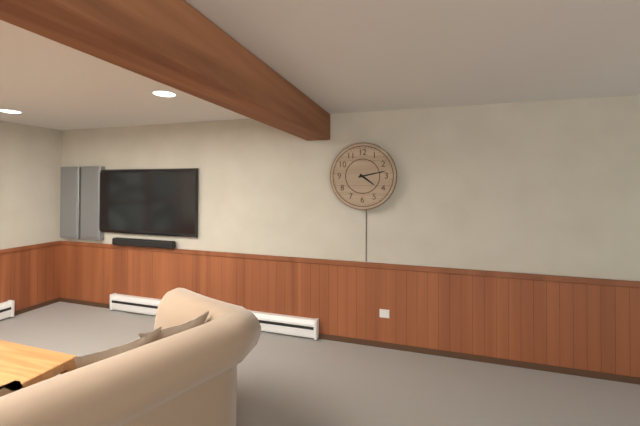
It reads 4h13
